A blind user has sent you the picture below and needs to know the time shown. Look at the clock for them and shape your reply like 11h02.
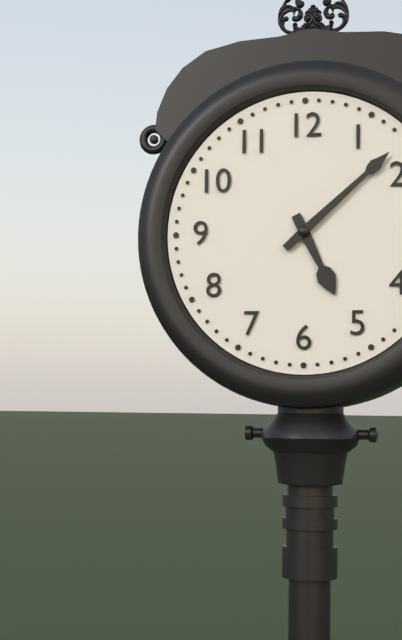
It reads 5h08
